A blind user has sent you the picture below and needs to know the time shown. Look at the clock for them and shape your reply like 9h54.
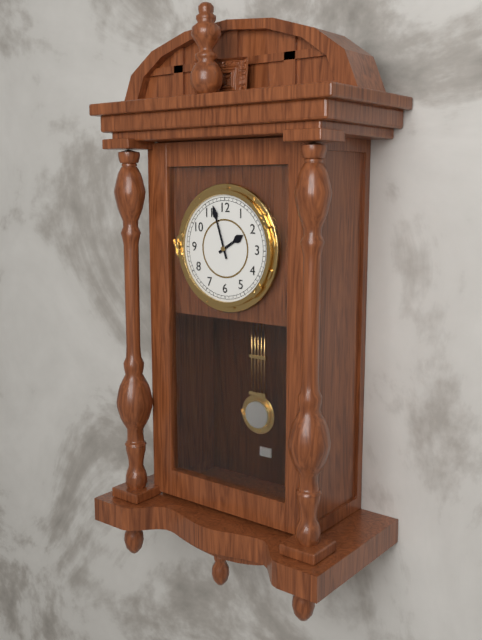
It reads 1h57
